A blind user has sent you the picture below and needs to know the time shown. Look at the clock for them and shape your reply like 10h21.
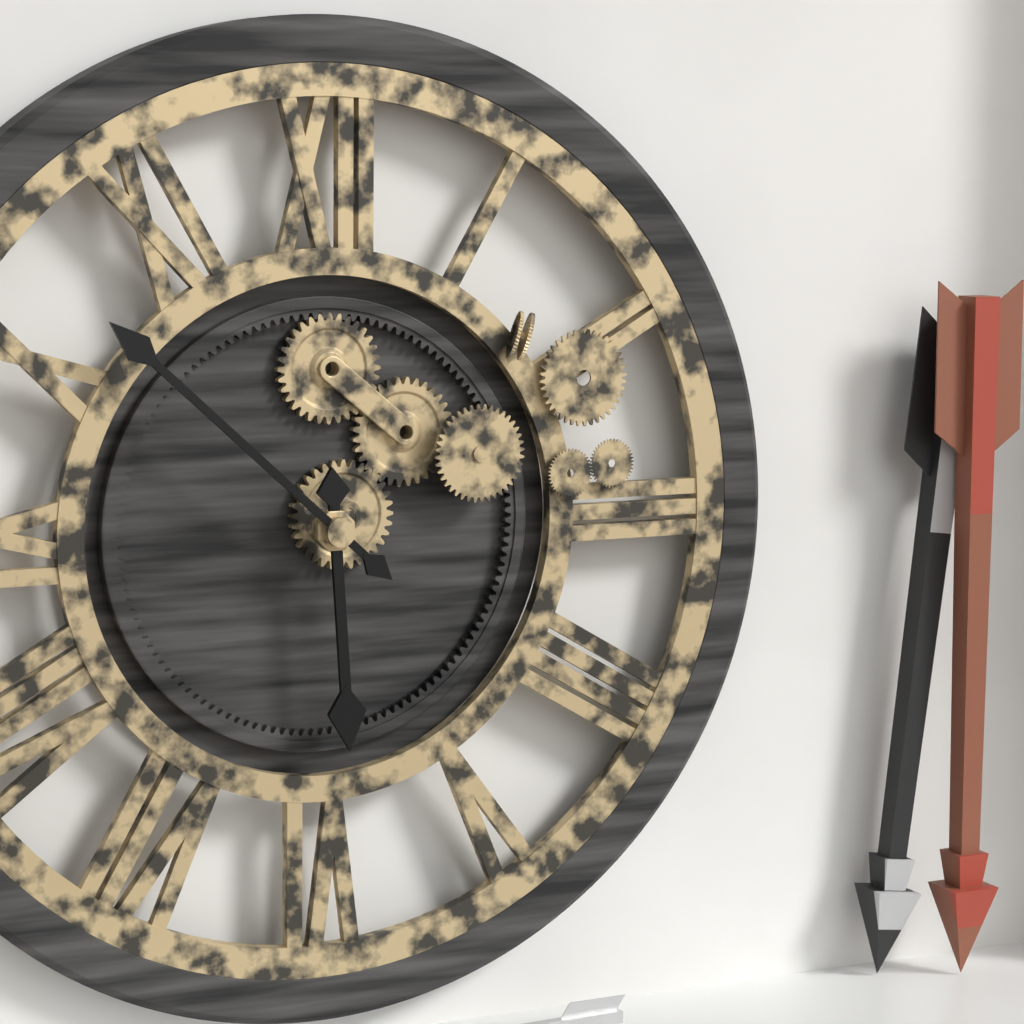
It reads 5h52
